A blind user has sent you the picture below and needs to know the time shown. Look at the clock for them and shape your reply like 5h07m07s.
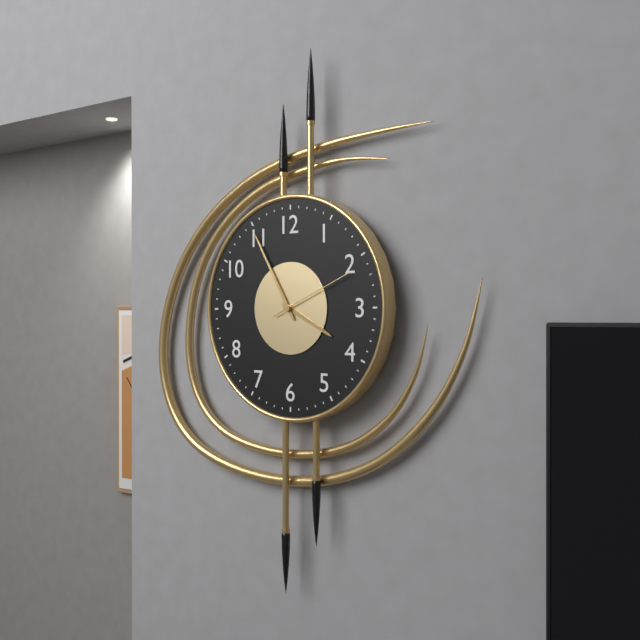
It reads 3h55m11s
